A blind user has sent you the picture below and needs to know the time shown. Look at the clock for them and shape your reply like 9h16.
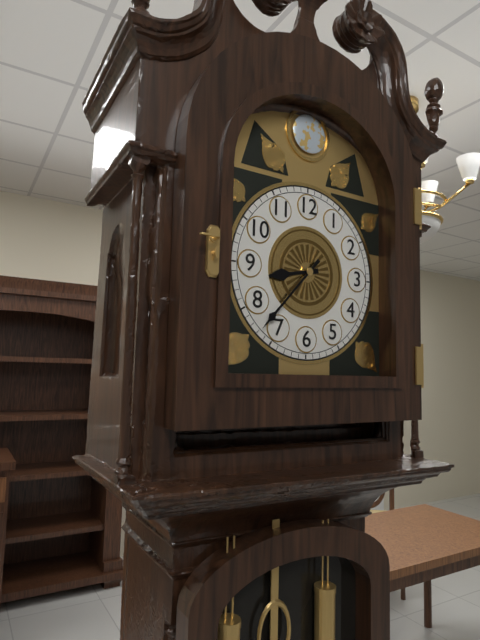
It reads 8h37
